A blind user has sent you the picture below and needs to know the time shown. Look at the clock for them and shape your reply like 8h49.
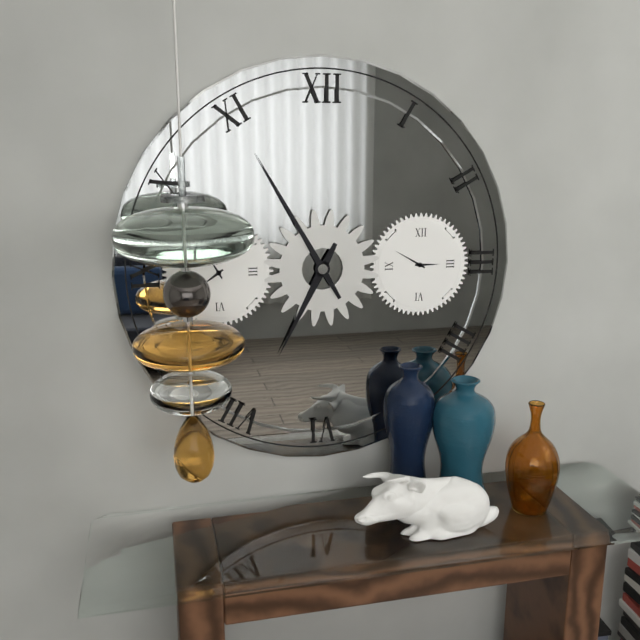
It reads 6h55
